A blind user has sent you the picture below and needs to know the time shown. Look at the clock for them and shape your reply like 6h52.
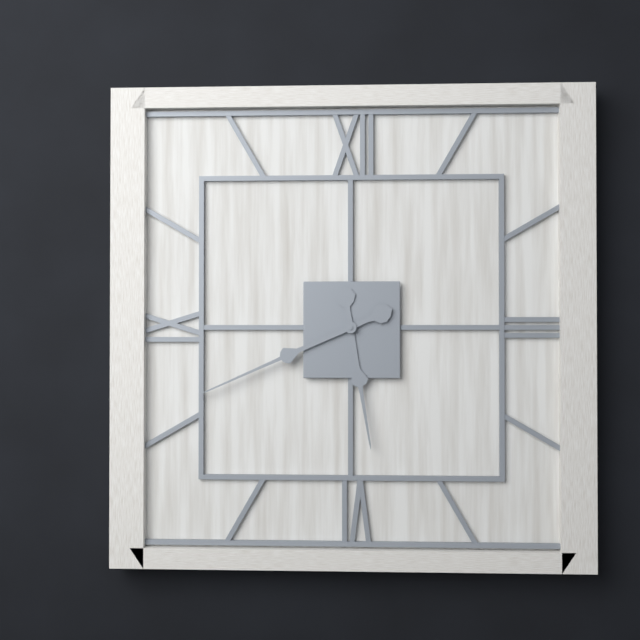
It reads 5h41
